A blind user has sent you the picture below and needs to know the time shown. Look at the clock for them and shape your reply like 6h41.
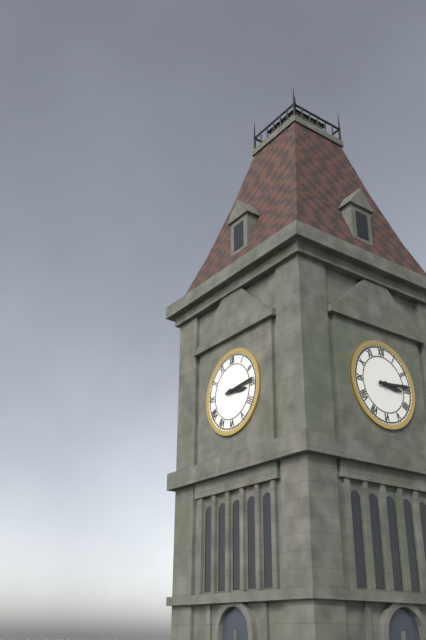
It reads 3h14
